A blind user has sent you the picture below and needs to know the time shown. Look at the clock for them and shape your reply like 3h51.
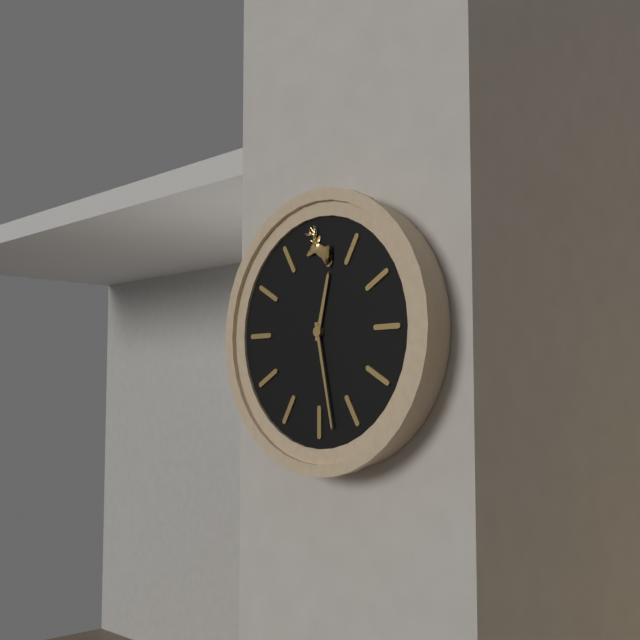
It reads 12h28
